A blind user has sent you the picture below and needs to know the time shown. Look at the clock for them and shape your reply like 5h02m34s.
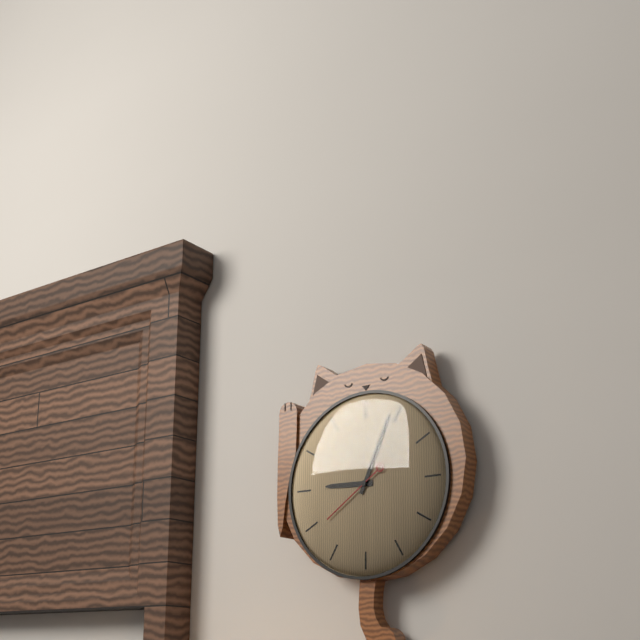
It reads 9h04m39s
